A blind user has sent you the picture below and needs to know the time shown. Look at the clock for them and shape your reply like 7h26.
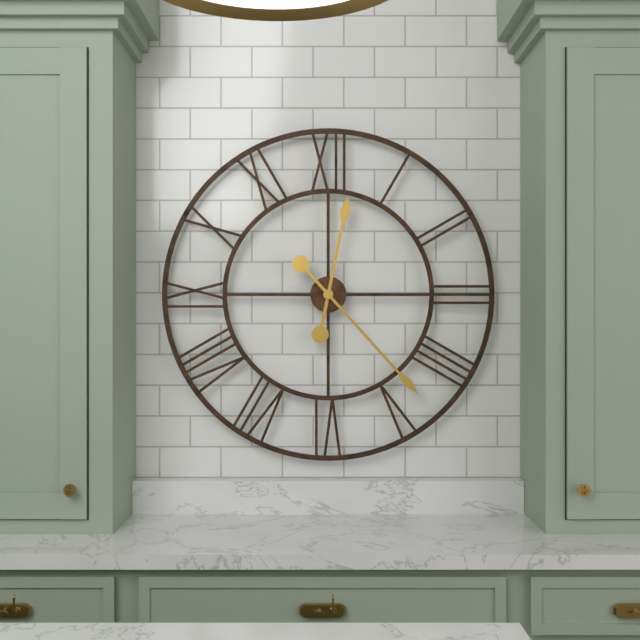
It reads 12h23
